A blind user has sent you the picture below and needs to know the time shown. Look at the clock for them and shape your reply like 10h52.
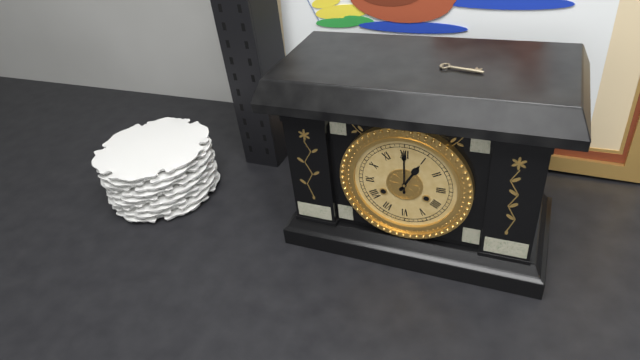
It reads 1h00
